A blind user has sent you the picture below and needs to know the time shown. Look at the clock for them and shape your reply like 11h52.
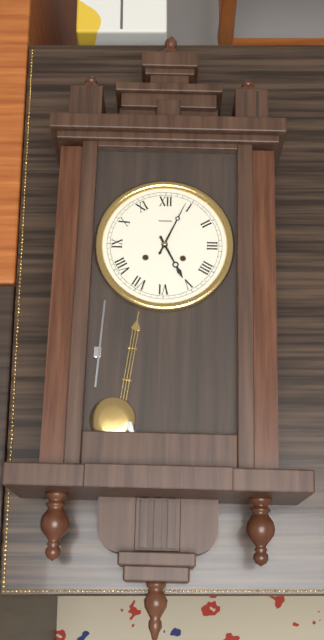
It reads 5h04
